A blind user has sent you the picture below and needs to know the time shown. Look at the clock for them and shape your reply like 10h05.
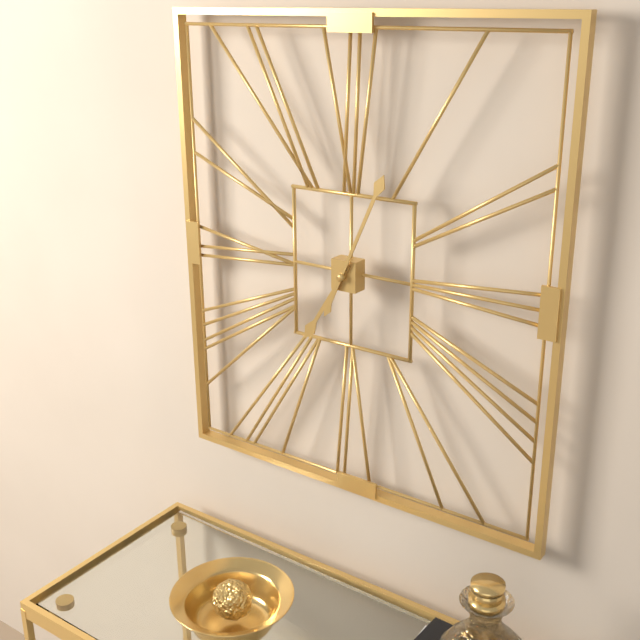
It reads 7h04
